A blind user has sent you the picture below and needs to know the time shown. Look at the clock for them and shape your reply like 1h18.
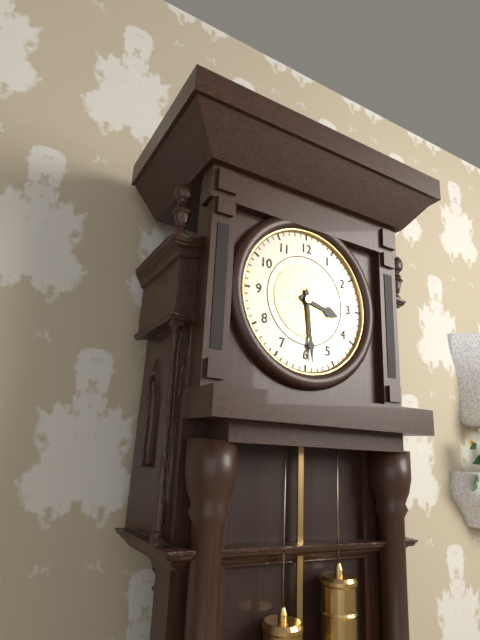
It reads 3h29
